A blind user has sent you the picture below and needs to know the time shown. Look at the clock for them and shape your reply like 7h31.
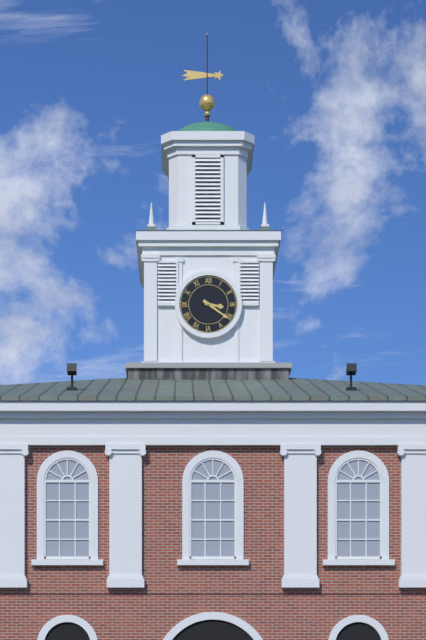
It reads 3h21
